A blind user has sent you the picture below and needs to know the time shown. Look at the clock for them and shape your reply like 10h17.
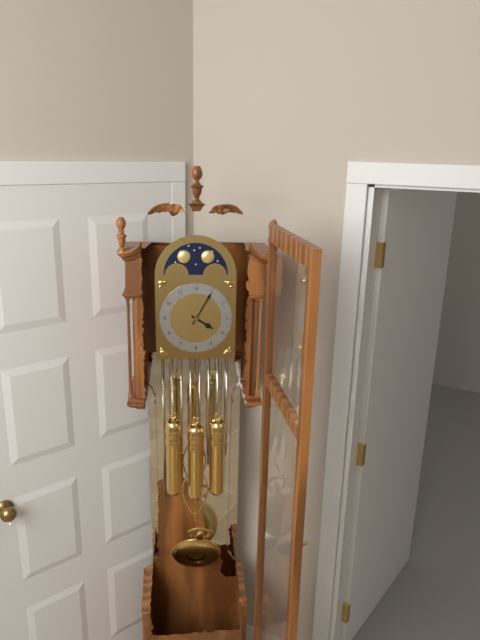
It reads 4h05
